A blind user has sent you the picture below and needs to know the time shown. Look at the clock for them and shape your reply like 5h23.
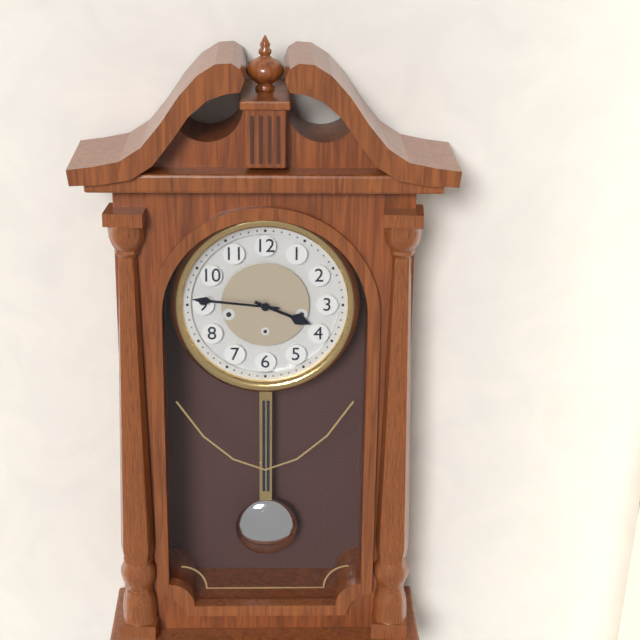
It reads 3h46
